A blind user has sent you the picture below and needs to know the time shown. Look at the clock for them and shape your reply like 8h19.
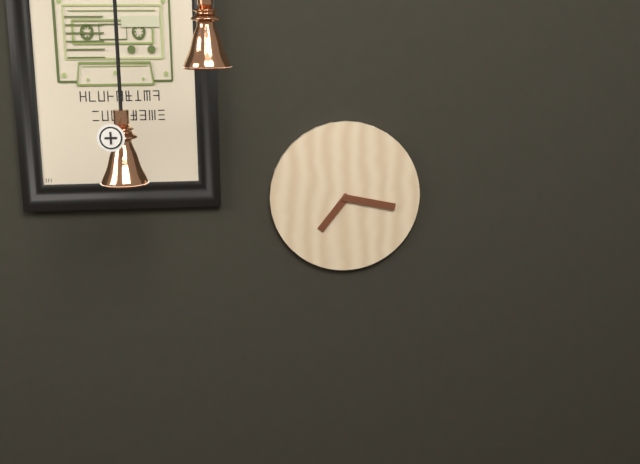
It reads 7h17
